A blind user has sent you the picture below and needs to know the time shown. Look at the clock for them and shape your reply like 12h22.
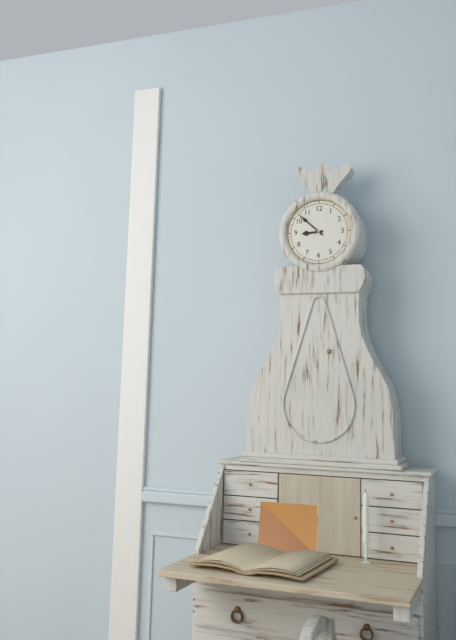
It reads 8h52
